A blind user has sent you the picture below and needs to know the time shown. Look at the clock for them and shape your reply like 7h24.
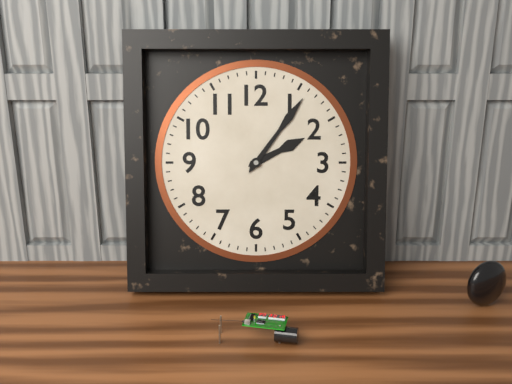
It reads 2h06
